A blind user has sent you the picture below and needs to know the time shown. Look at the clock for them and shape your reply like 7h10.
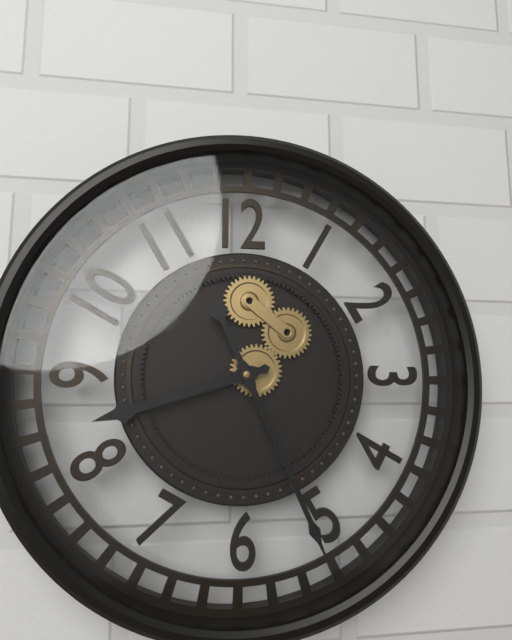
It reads 8h26
